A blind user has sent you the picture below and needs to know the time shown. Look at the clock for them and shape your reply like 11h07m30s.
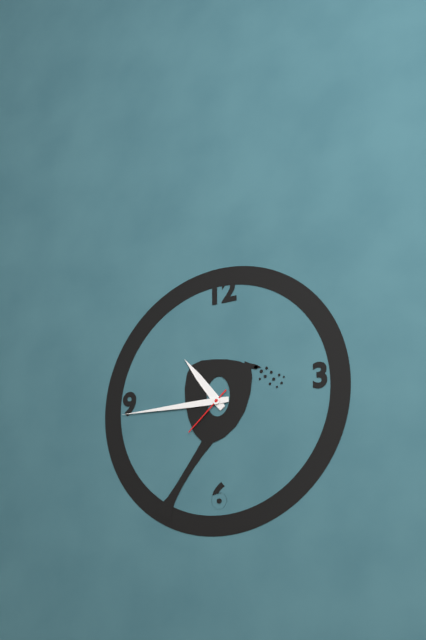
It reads 10h45m38s
